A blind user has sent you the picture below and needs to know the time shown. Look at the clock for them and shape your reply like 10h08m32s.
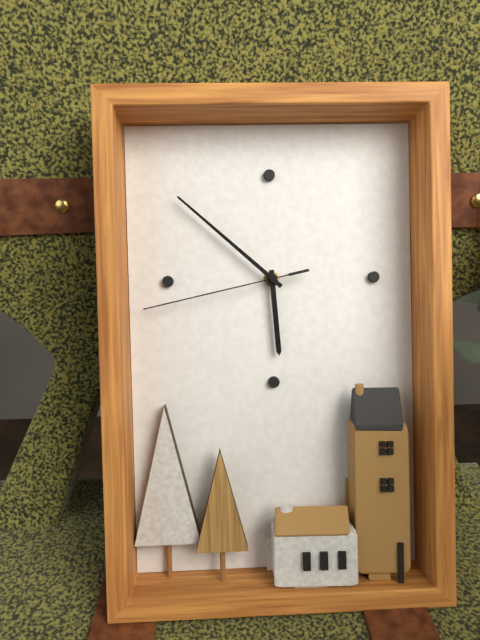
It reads 5h52m43s
